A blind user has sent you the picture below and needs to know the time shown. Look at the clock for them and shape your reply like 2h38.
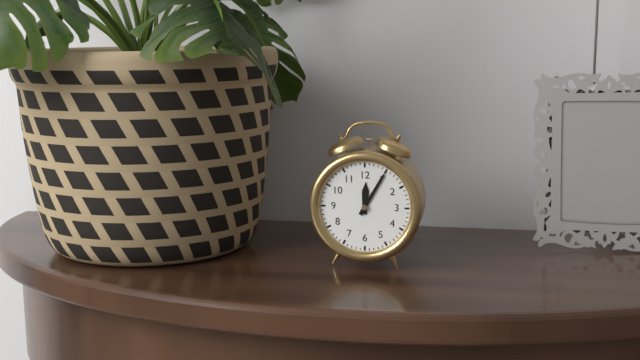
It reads 12h05
